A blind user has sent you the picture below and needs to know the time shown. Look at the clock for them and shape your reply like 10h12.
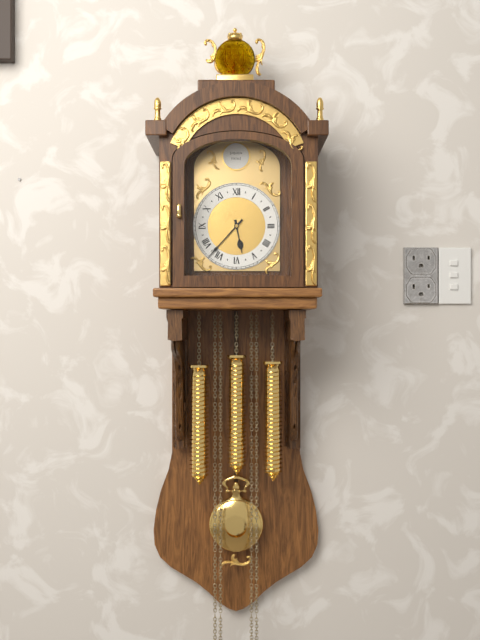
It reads 5h37
